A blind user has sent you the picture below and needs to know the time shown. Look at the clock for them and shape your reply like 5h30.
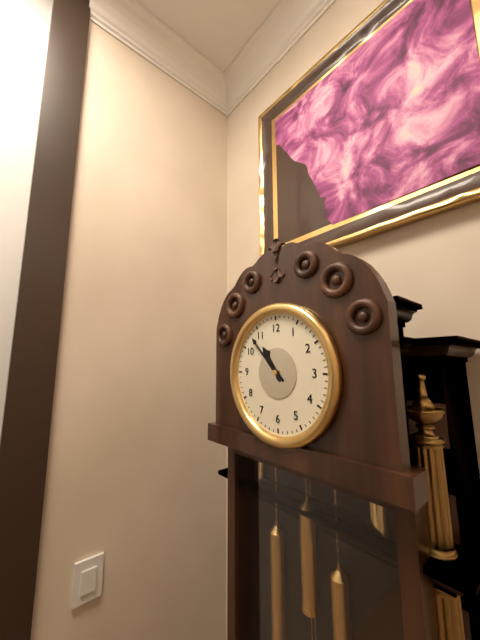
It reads 10h53
